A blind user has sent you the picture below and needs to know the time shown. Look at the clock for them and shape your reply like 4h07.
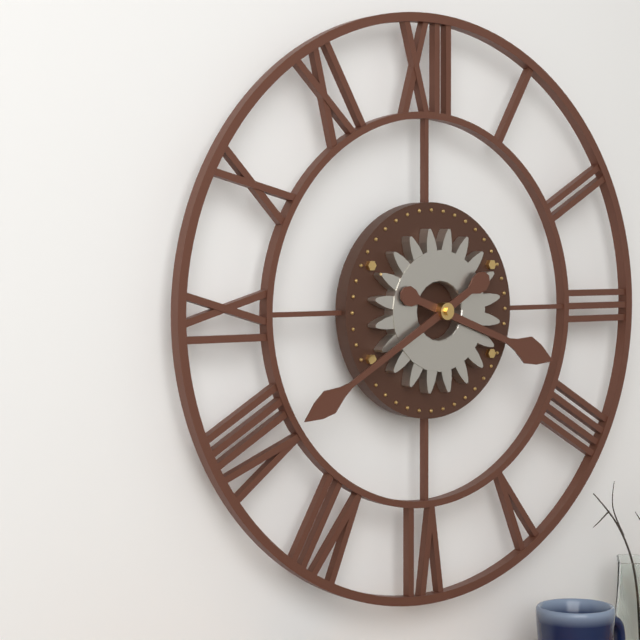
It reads 3h40
